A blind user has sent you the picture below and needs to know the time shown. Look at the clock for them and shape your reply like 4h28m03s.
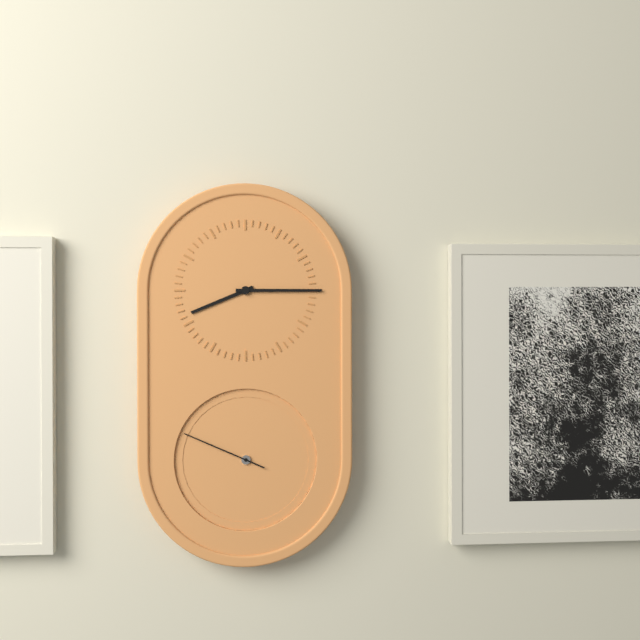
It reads 8h15m49s
